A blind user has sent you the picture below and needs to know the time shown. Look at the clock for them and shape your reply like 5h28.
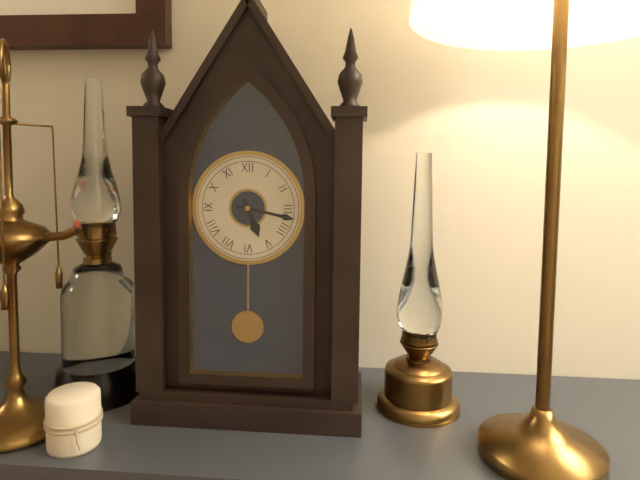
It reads 5h17
